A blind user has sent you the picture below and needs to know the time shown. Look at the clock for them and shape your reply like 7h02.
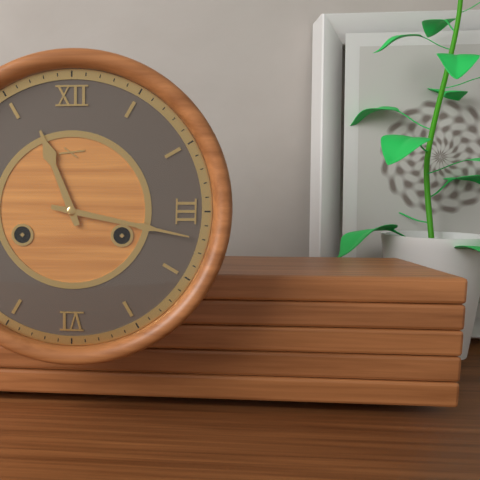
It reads 11h17
